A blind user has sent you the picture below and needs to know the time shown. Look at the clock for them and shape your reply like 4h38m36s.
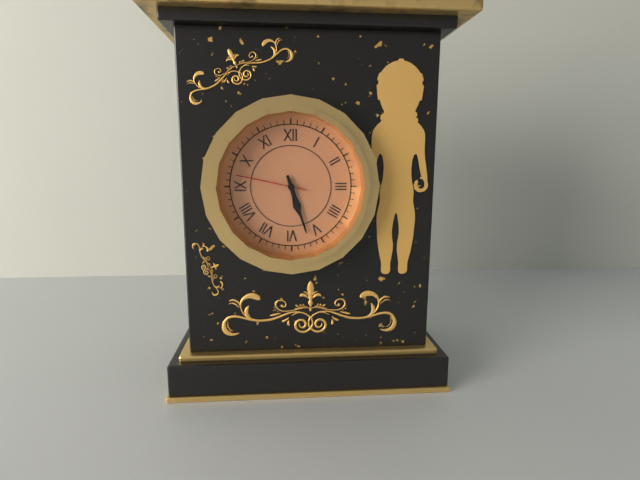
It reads 5h27m47s
